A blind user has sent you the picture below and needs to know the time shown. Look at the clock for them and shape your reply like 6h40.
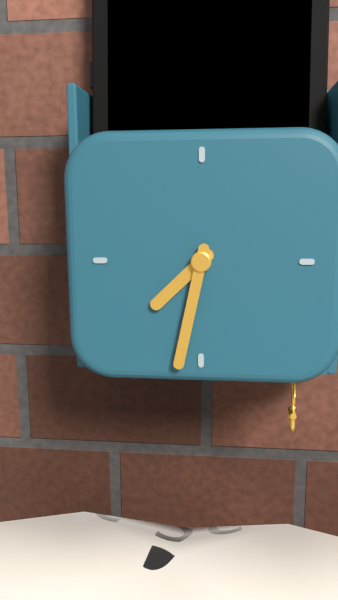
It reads 7h32
